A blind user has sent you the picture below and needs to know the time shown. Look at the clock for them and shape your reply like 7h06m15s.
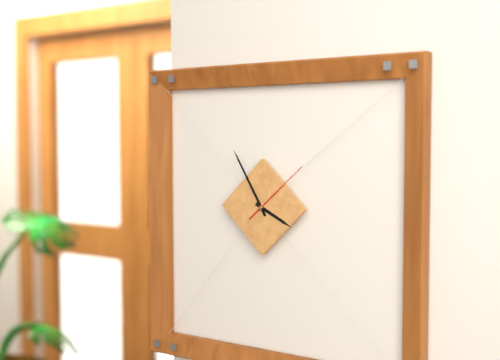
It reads 3h55m08s
